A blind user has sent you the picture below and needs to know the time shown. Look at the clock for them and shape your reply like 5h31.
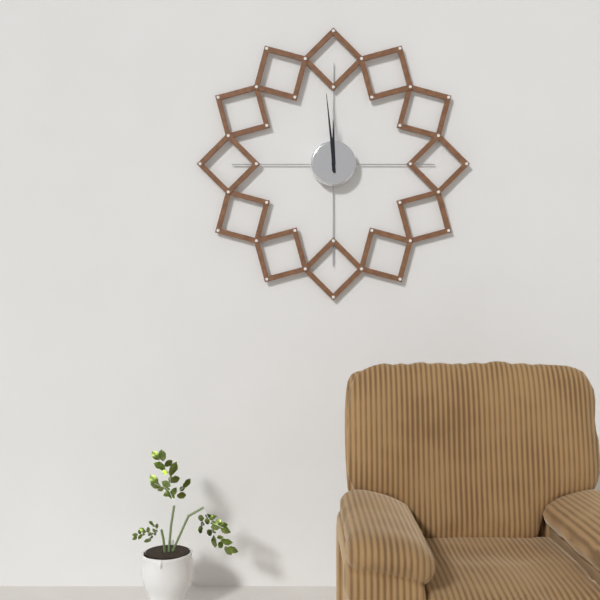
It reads 11h59
